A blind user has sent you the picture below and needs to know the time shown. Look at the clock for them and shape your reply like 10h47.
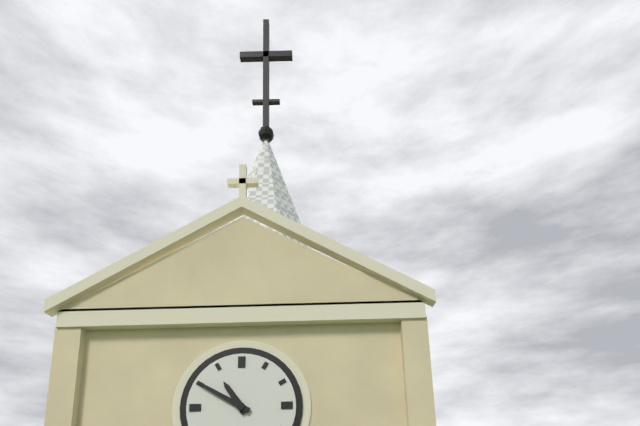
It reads 10h50
